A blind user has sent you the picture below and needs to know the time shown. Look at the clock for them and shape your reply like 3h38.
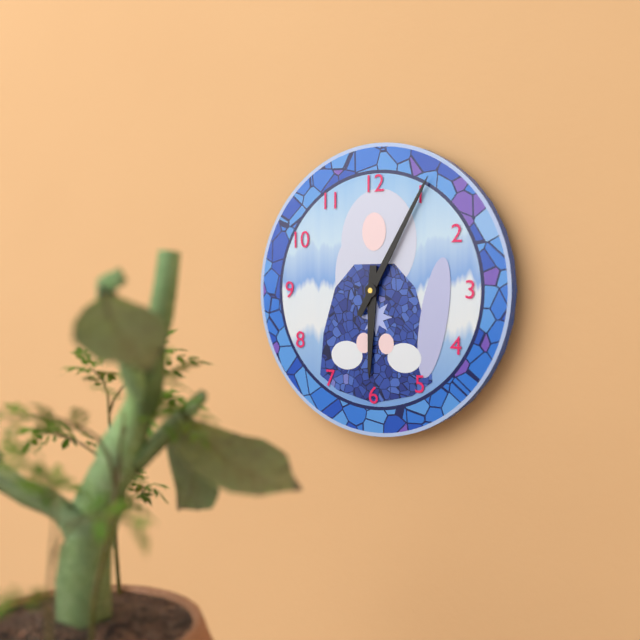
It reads 6h05
